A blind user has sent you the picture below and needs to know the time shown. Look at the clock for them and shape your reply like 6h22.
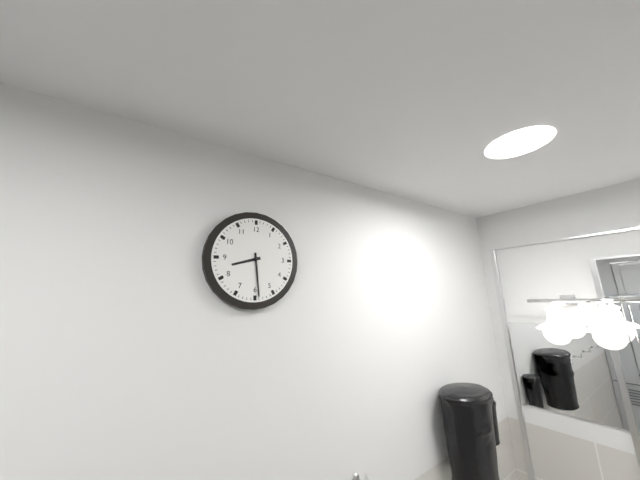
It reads 8h29
